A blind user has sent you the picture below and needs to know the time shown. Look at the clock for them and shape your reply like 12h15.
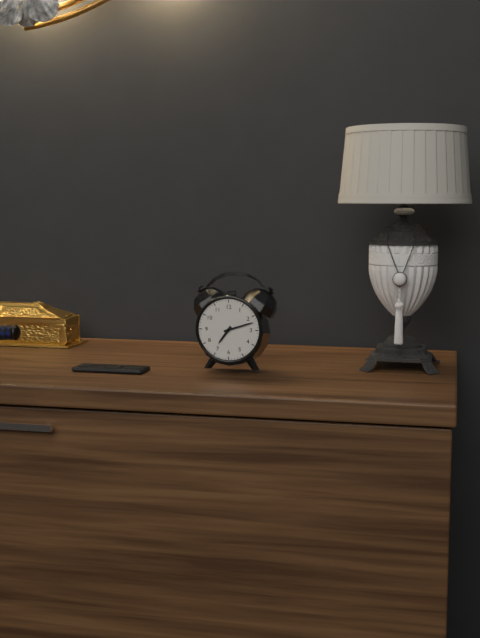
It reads 7h12
